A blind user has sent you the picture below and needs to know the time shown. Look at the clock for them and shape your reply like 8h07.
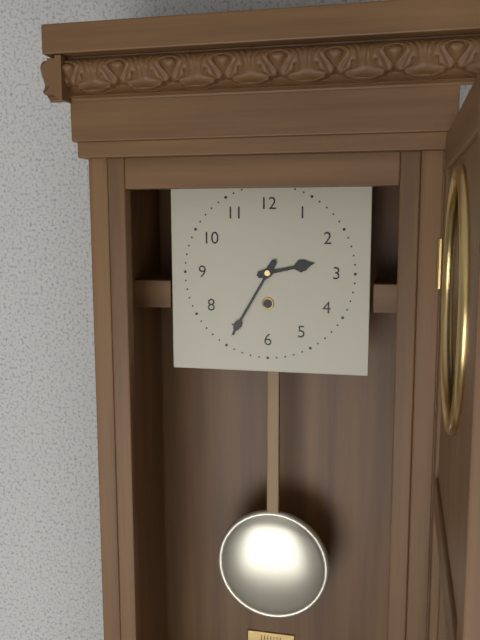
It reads 2h35
